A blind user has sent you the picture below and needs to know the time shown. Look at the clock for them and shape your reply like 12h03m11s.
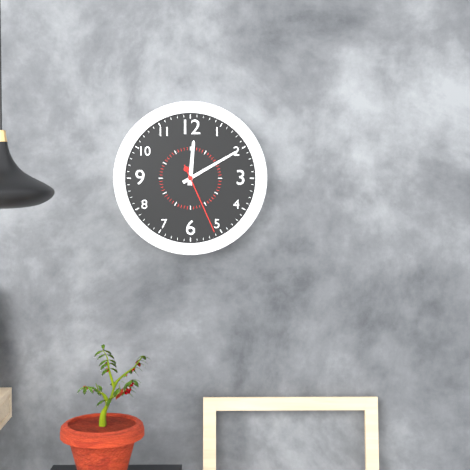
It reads 12h10m26s
